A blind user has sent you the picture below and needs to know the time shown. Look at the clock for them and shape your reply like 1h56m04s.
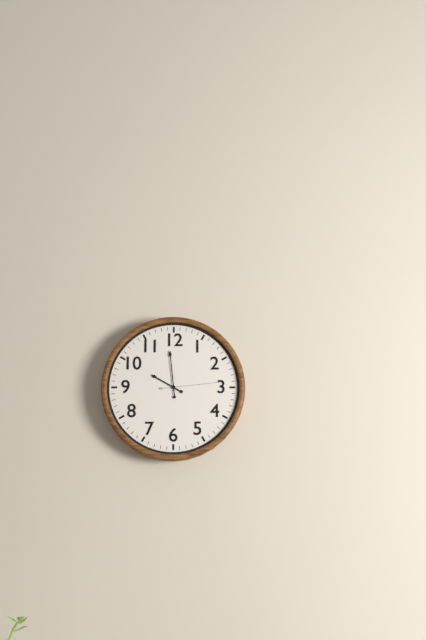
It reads 9h59m14s
